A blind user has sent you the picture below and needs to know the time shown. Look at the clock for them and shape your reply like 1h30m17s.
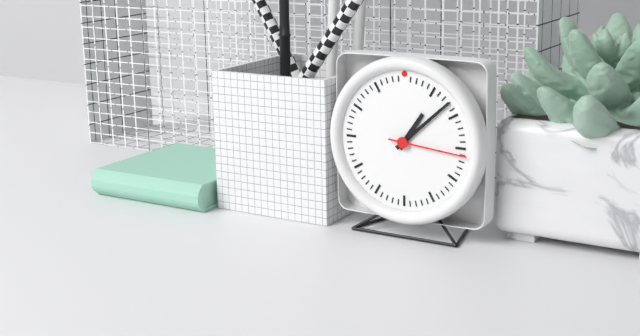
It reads 1h08m16s
